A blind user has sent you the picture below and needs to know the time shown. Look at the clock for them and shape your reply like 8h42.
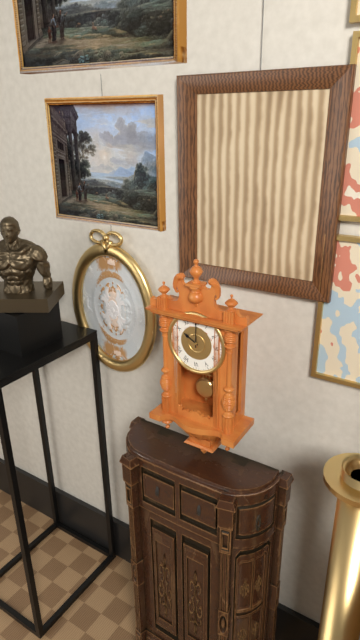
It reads 10h00
